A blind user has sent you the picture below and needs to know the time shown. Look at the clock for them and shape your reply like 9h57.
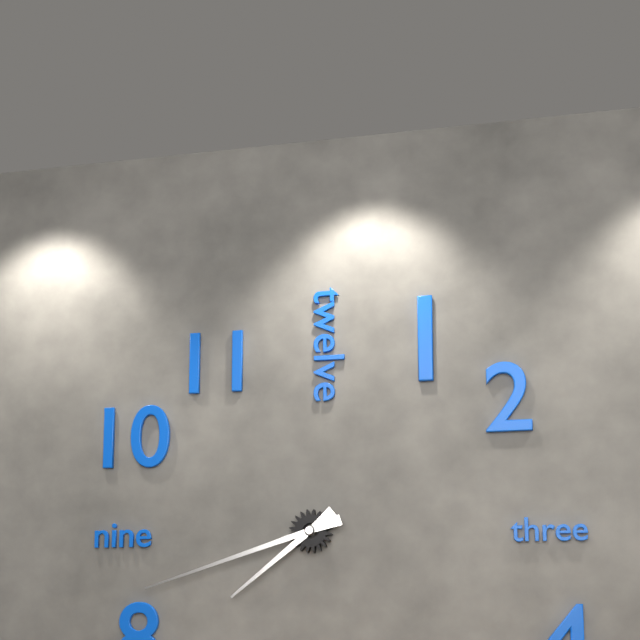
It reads 7h42
